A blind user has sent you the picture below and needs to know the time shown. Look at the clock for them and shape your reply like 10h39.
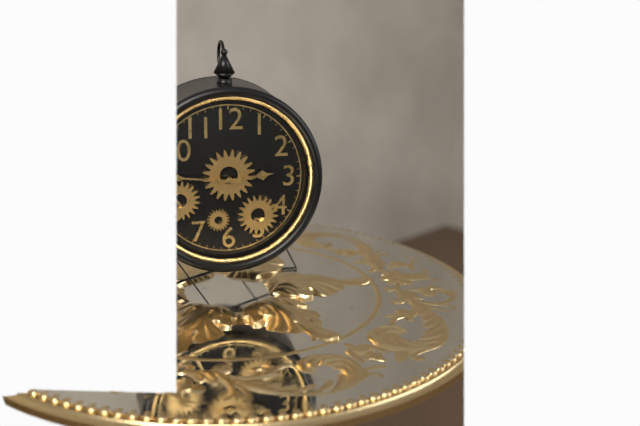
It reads 2h46
